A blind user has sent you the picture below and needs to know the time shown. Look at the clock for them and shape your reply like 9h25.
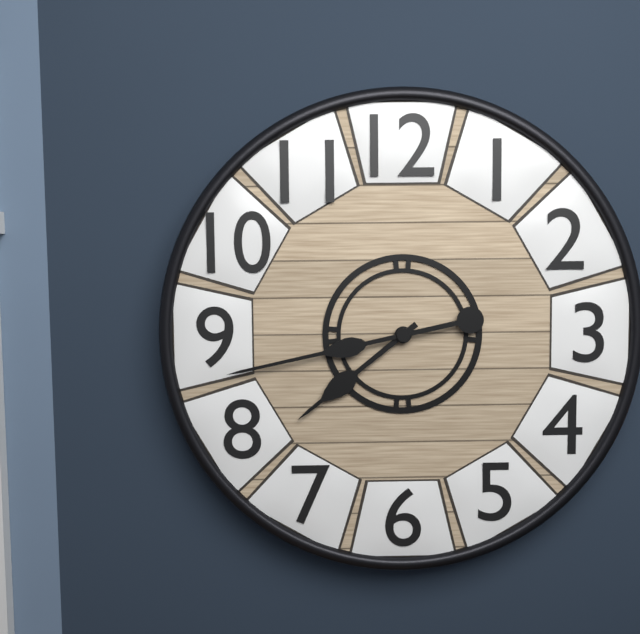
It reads 7h43
